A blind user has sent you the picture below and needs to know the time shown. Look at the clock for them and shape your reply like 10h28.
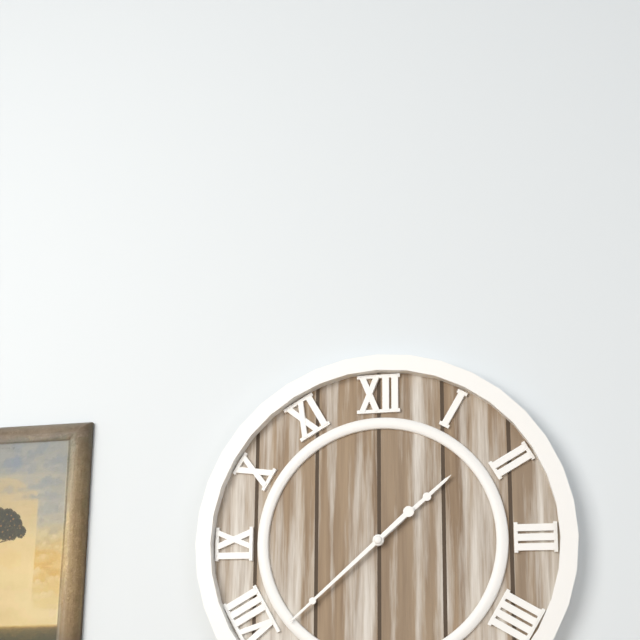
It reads 1h38
